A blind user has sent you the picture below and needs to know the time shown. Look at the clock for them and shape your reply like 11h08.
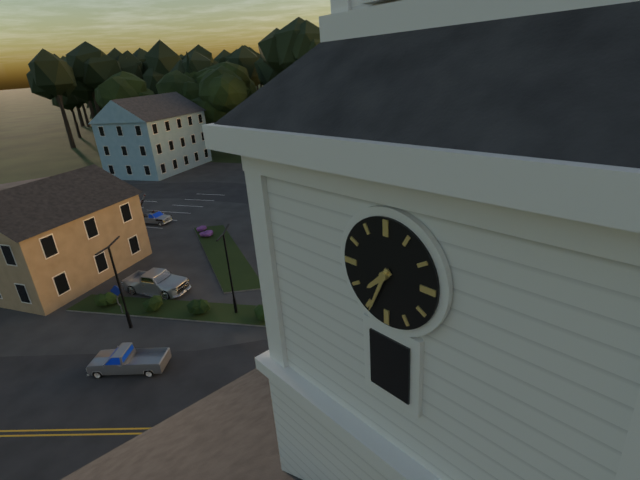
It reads 7h34
